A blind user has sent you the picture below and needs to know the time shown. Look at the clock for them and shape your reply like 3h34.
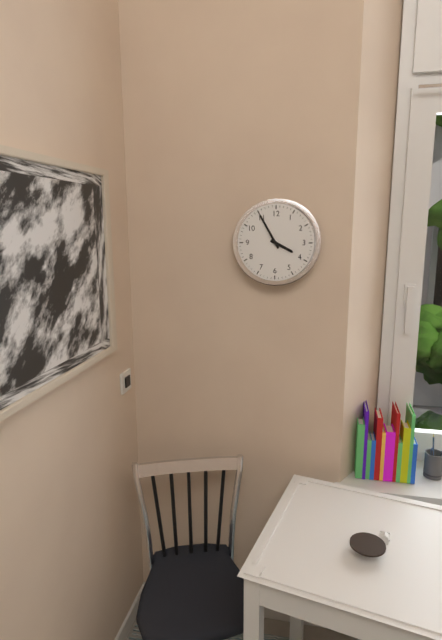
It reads 3h55
